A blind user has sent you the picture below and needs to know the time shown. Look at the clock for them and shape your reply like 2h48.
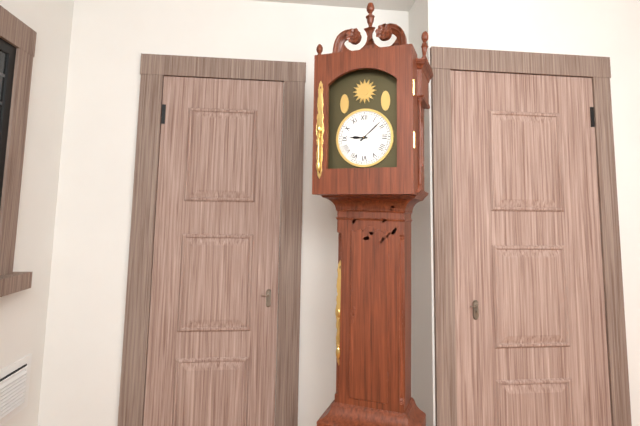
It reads 9h08
